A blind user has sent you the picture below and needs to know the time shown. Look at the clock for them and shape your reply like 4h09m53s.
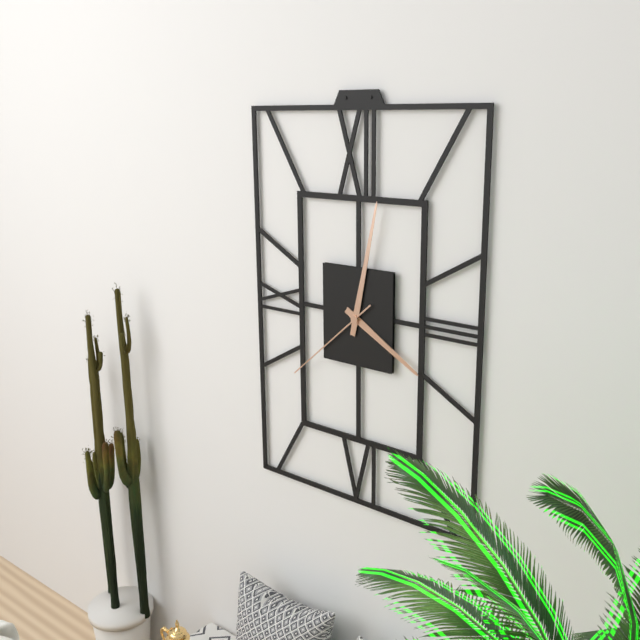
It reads 4h02m38s
